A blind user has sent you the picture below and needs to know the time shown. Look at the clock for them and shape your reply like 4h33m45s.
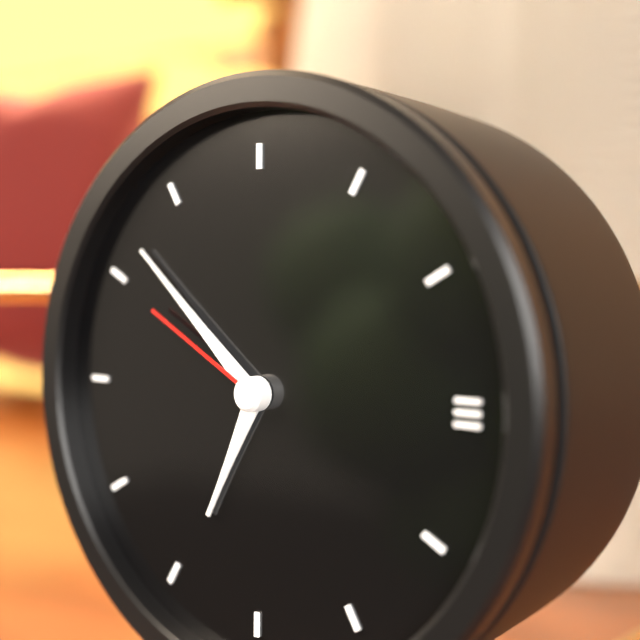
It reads 6h52m50s
